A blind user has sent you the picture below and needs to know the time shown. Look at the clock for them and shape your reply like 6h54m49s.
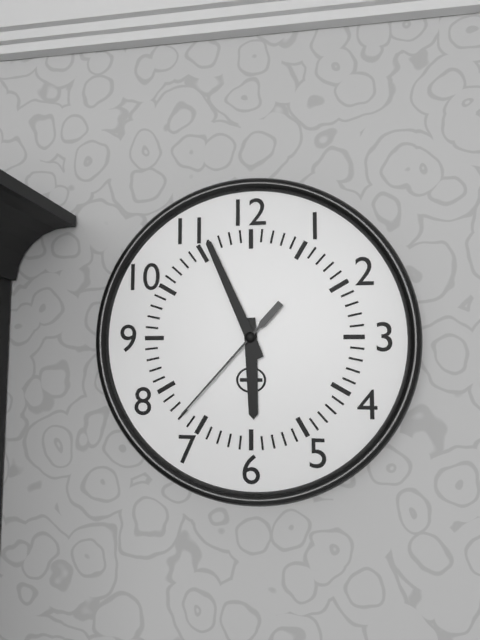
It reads 5h56m37s
